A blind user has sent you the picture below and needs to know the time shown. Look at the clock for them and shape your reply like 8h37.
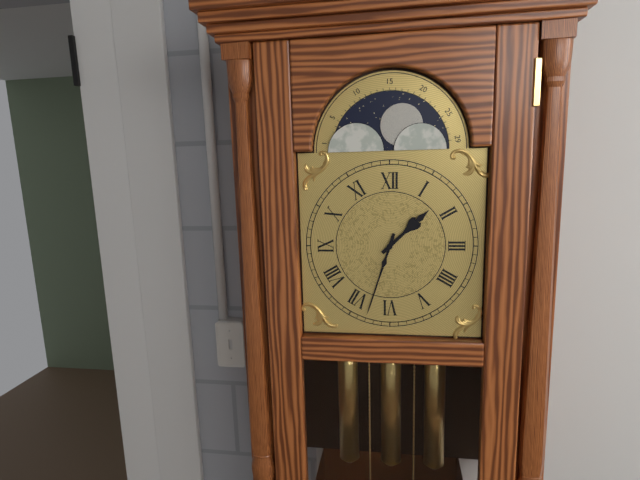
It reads 1h33
